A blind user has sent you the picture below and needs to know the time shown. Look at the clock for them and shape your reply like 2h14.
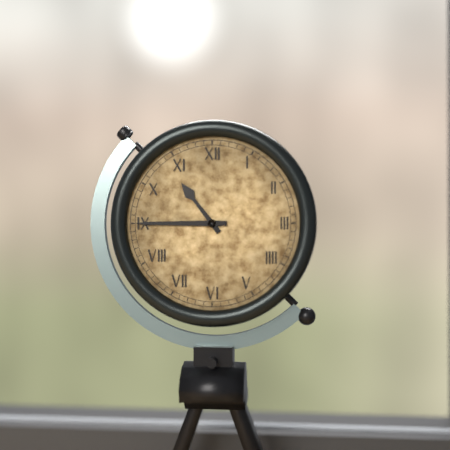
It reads 10h45
